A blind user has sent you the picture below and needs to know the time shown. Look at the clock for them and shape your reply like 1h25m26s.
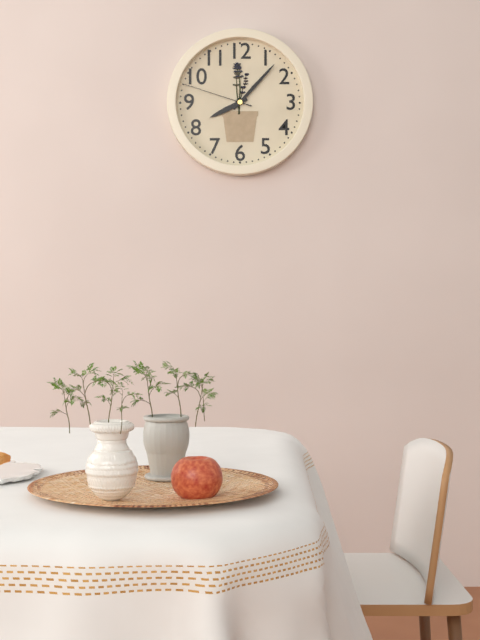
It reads 8h07m48s
